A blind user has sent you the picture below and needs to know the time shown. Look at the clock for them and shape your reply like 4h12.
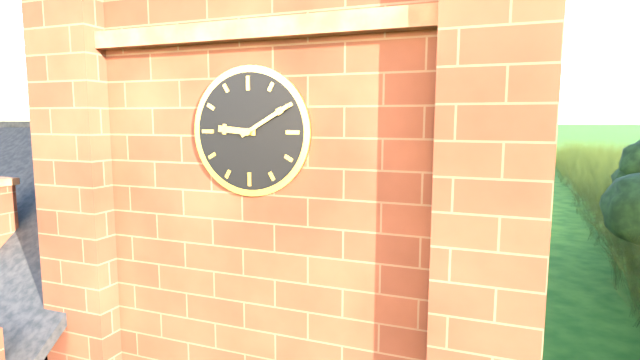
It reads 9h10
